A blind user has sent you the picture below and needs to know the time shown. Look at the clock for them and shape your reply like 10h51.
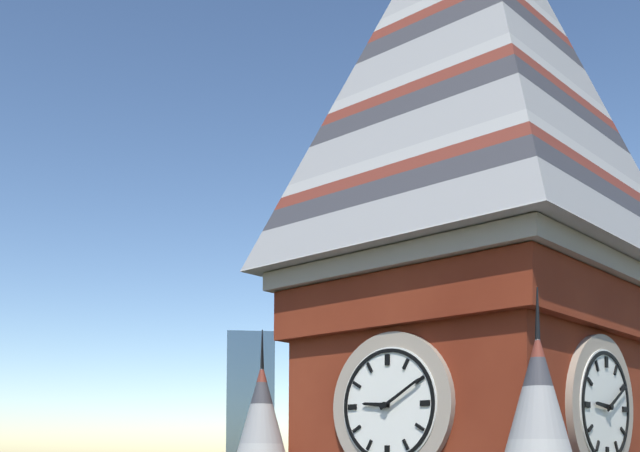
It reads 9h10
